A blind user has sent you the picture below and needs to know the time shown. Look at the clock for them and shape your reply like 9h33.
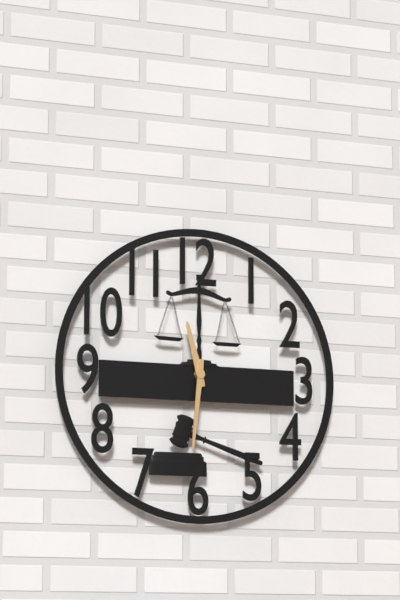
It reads 11h31
